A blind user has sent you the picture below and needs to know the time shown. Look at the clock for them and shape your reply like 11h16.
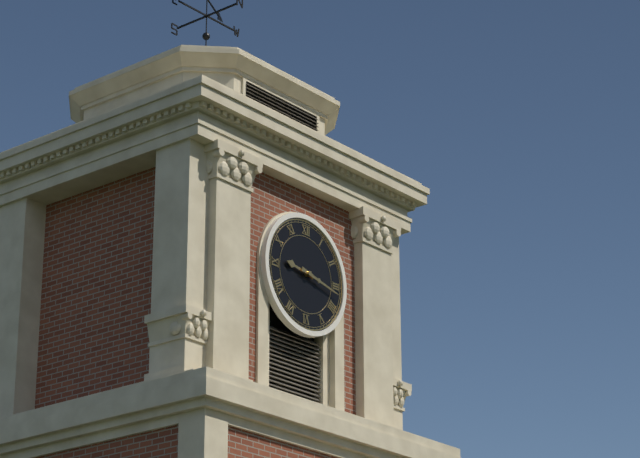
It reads 9h17
